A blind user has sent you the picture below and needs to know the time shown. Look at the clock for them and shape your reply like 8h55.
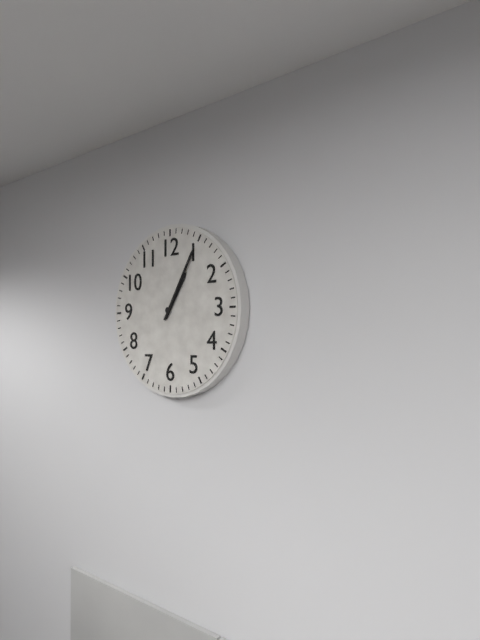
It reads 1h05
